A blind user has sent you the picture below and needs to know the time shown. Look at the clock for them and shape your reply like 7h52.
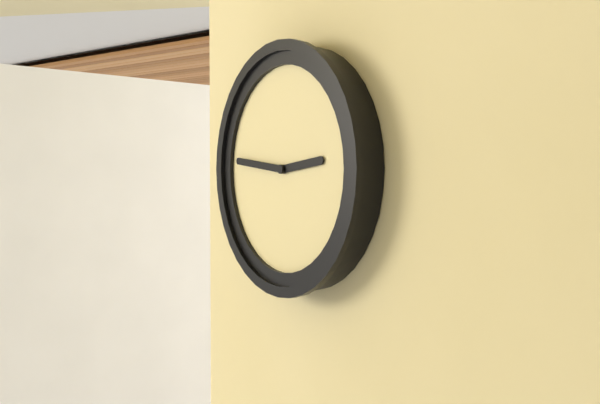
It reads 2h46
